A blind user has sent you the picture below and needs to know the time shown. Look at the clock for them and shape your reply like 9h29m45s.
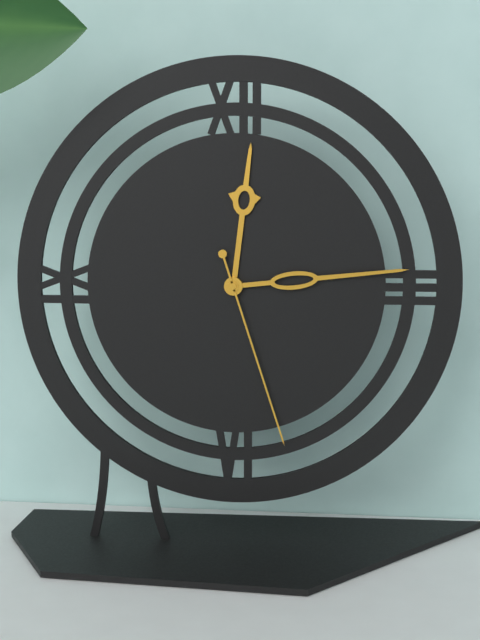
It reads 12h14m27s
